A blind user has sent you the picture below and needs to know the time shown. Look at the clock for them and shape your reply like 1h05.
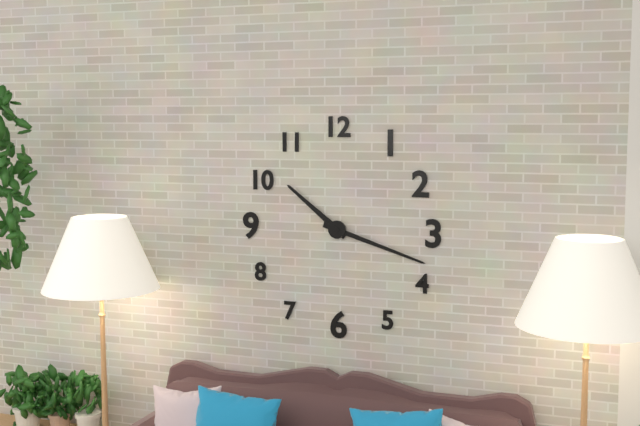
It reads 10h18
